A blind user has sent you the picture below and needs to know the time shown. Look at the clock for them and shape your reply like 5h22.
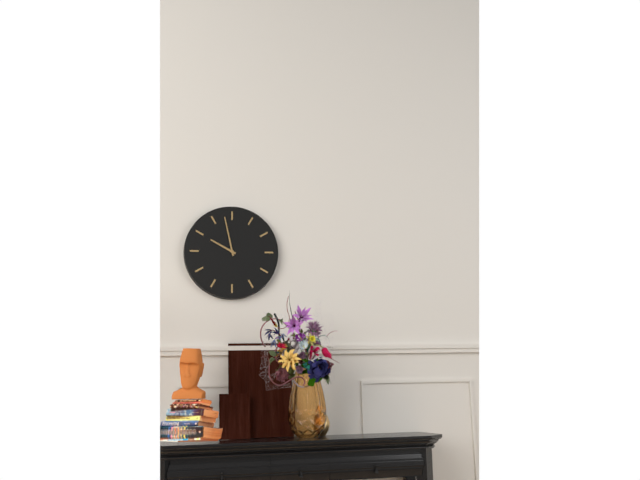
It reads 9h58
